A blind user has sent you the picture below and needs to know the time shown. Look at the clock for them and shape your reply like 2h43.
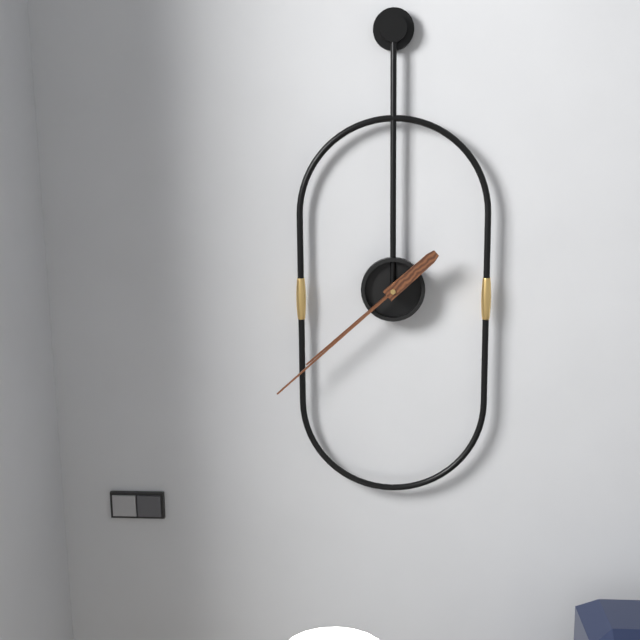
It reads 7h38
